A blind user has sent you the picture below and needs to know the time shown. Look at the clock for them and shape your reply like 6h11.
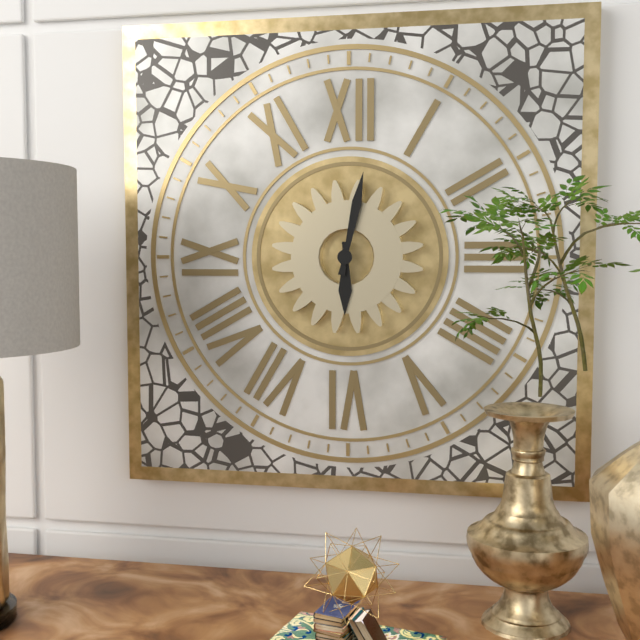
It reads 6h02
